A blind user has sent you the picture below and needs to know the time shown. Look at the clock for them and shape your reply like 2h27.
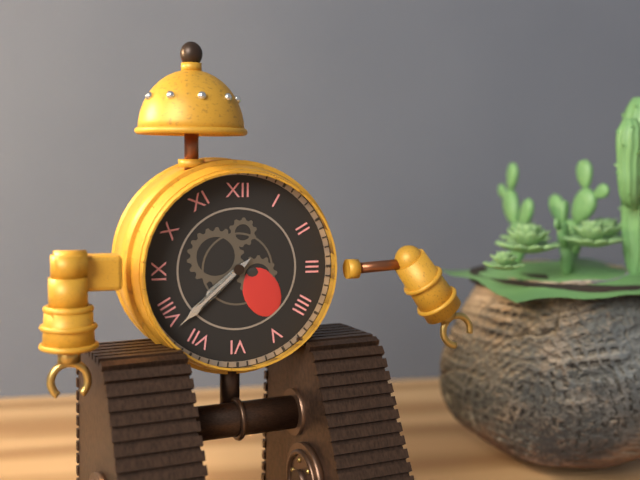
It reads 7h38
